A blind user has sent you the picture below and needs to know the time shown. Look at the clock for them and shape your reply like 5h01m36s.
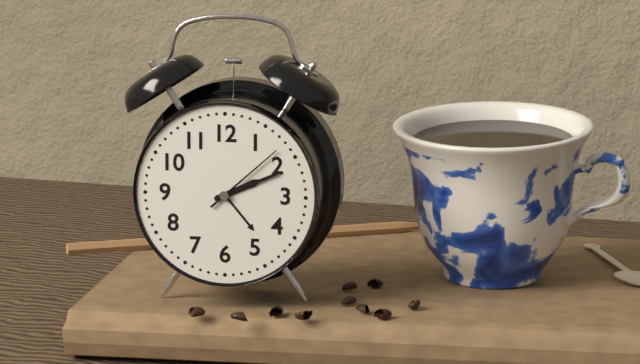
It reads 2h11m08s
